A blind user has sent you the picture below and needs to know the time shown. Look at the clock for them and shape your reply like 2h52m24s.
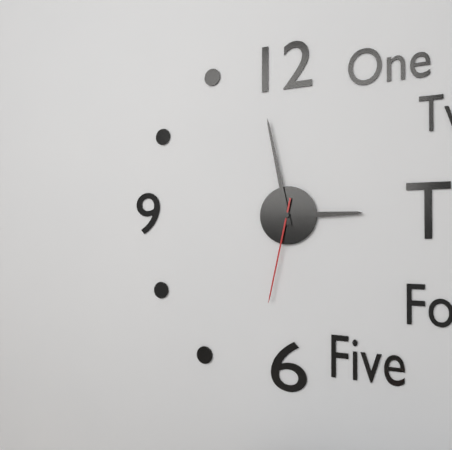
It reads 2h58m32s
